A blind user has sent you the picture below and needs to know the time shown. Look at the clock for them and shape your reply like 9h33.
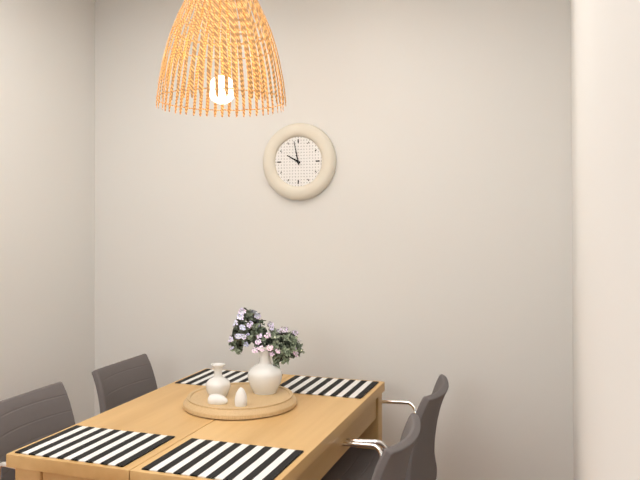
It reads 9h58
